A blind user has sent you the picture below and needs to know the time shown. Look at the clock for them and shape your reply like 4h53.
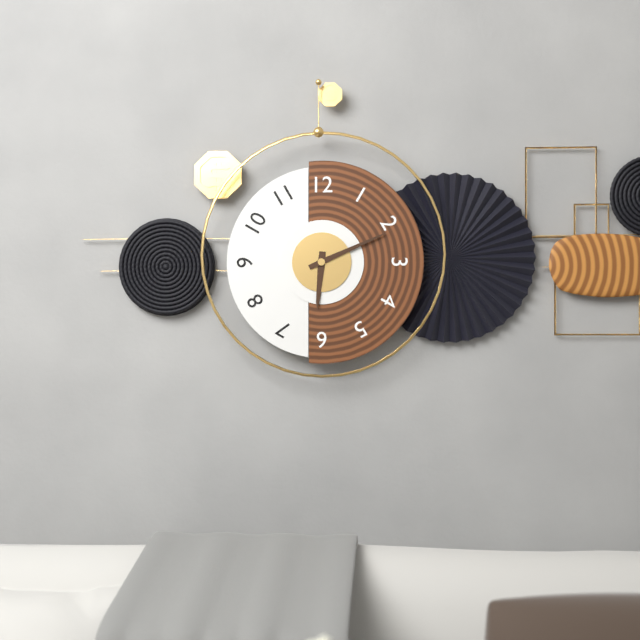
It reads 6h11
